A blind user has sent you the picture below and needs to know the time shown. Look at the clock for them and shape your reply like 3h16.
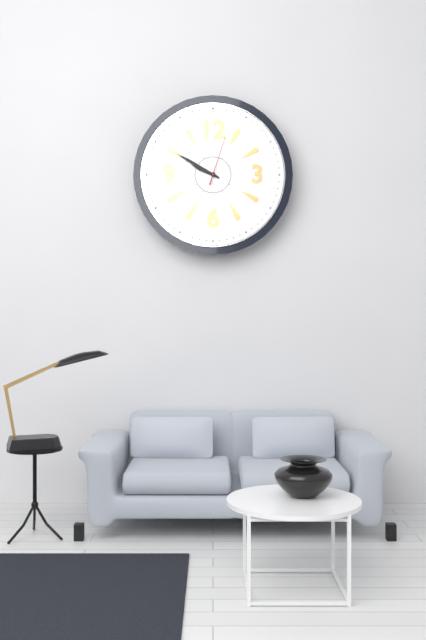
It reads 9h50
